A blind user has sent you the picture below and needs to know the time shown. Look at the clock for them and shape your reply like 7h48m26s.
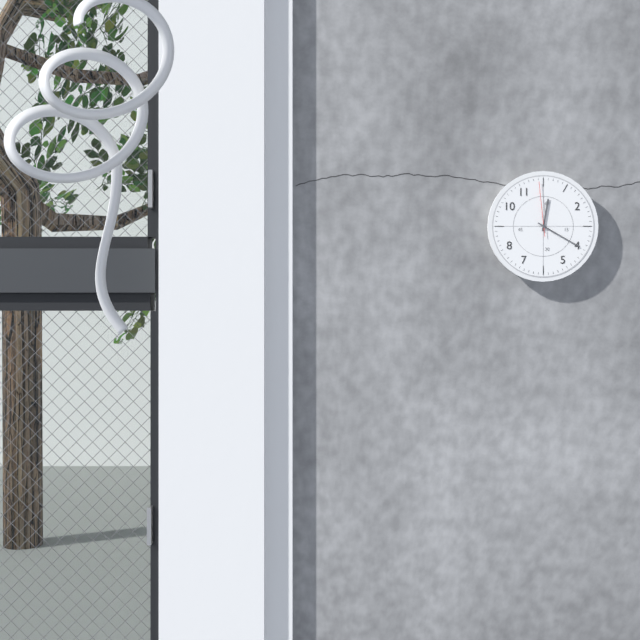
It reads 12h20m59s
